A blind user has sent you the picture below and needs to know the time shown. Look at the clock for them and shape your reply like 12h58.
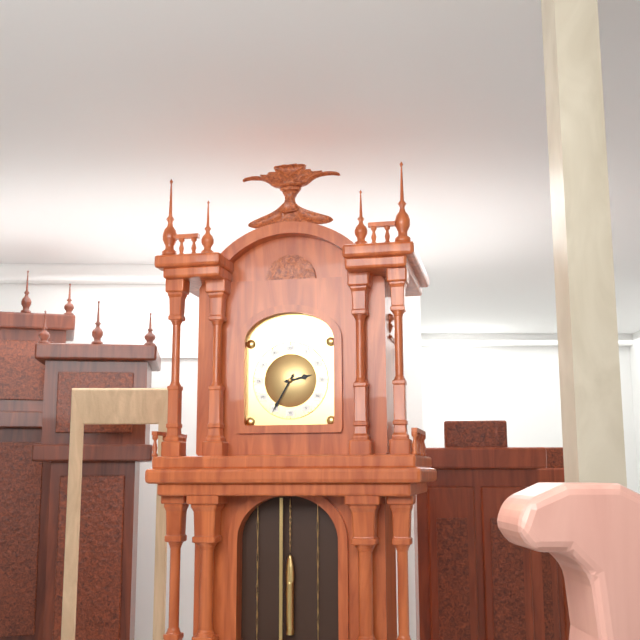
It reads 2h35
